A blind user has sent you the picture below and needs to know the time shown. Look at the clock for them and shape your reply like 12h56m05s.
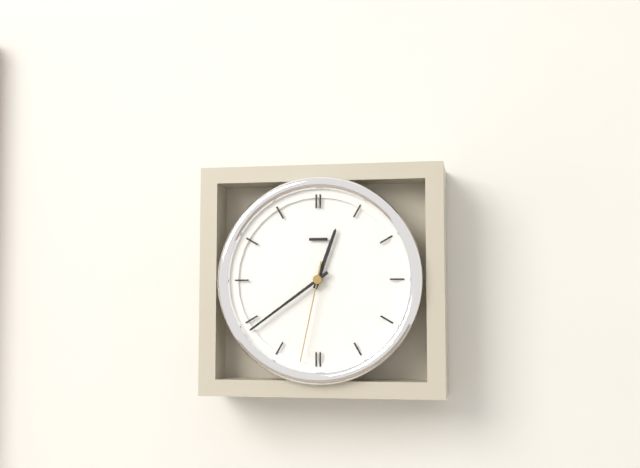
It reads 12h39m32s
